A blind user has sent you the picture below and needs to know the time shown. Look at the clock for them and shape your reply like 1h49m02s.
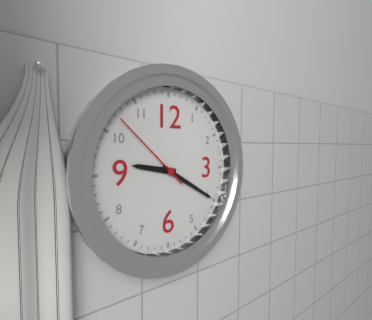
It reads 9h20m52s
